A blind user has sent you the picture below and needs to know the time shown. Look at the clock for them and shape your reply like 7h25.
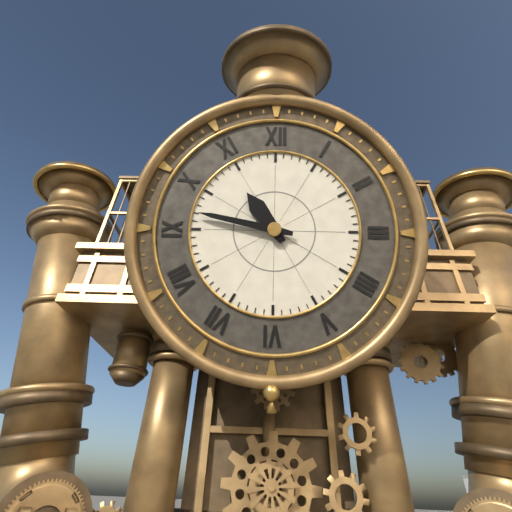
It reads 10h47
